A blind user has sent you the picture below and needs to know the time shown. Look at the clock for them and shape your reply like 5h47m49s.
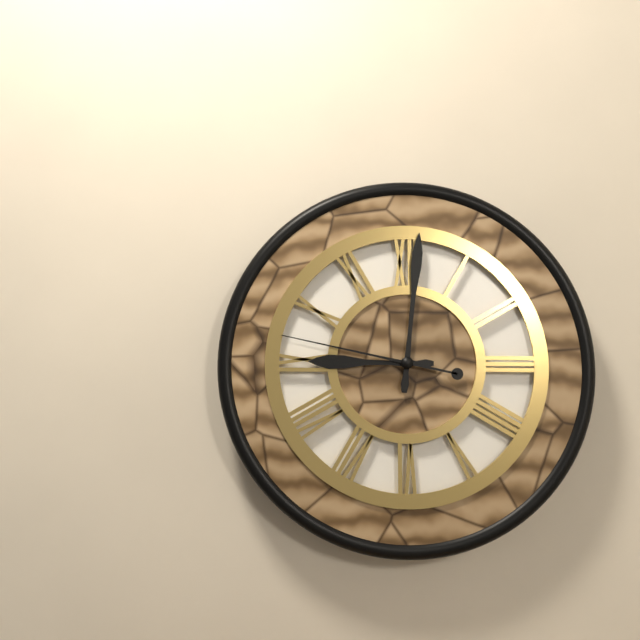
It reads 9h01m47s
